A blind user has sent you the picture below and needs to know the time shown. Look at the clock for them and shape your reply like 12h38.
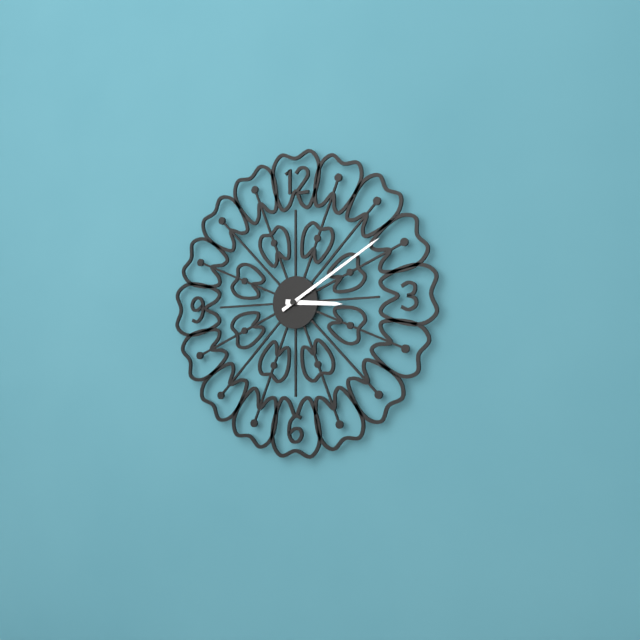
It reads 3h10
